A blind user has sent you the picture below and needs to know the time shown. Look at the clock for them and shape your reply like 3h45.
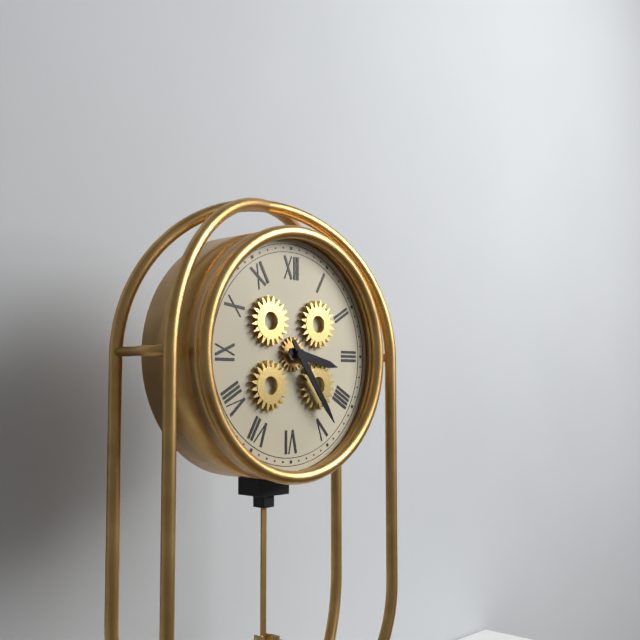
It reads 3h24
